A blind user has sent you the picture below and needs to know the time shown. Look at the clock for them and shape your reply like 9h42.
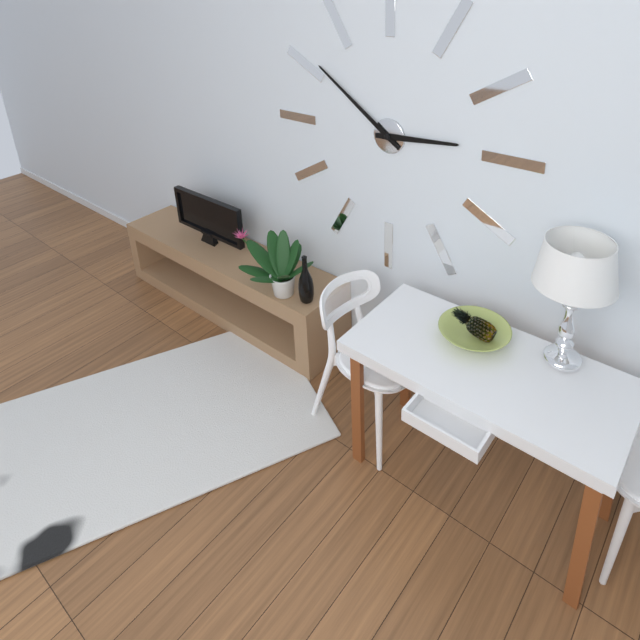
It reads 2h51
